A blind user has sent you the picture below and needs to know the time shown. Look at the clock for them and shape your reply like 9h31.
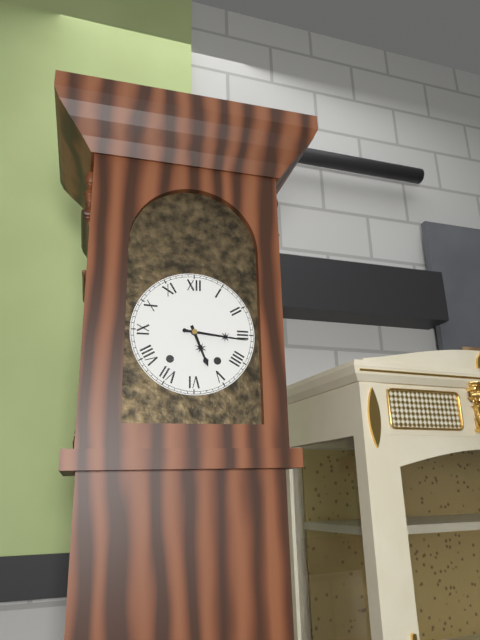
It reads 5h16
